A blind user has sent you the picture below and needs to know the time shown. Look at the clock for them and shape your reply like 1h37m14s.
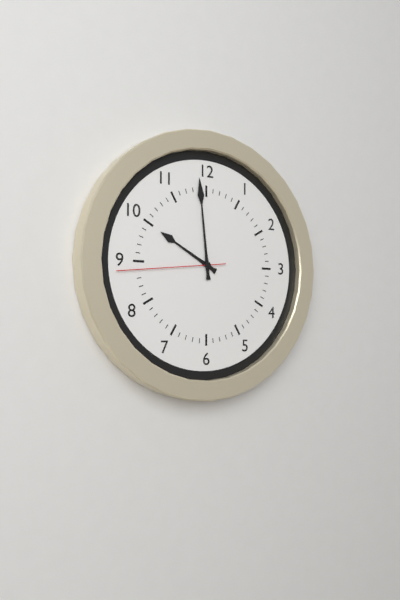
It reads 9h59m44s
